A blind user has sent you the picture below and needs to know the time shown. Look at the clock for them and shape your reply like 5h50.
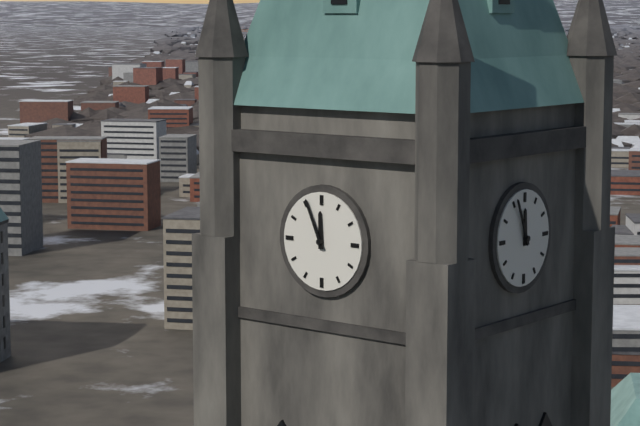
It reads 11h56
